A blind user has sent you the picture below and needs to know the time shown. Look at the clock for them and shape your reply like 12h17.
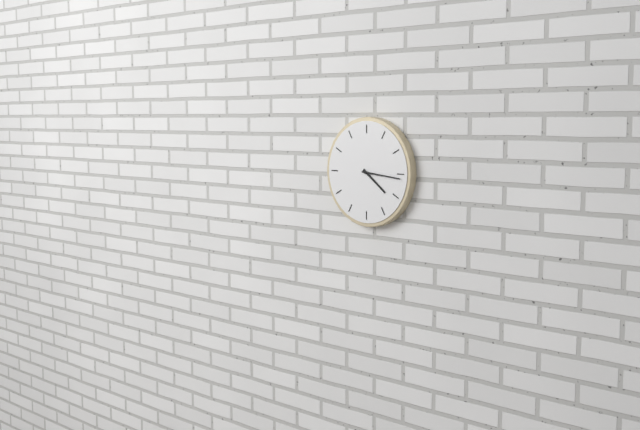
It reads 4h16
